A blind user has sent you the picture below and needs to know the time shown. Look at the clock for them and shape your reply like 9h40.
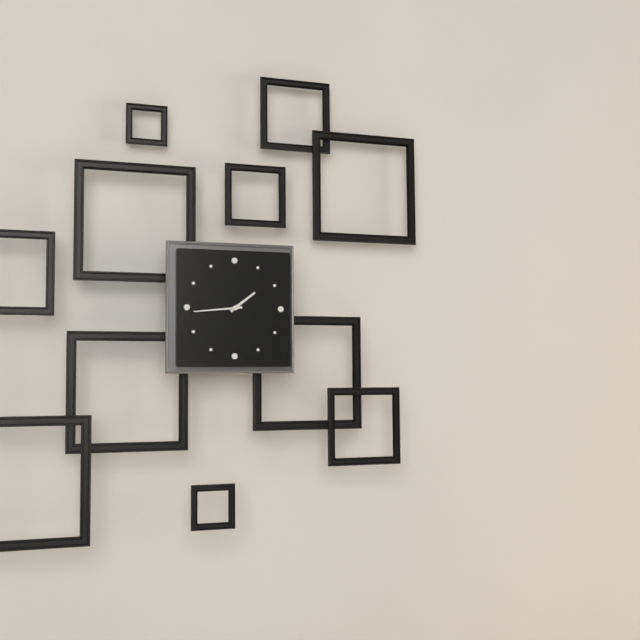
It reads 1h44
